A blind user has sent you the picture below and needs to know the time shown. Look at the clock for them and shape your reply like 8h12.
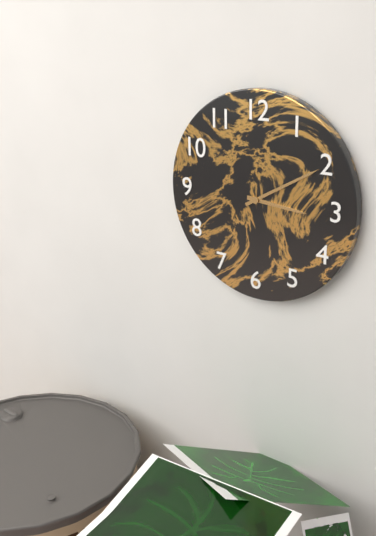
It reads 3h10
